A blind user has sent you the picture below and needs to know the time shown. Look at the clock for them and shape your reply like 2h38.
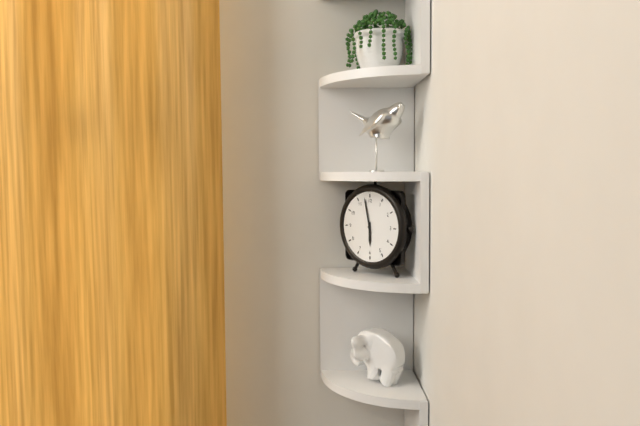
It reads 5h58
